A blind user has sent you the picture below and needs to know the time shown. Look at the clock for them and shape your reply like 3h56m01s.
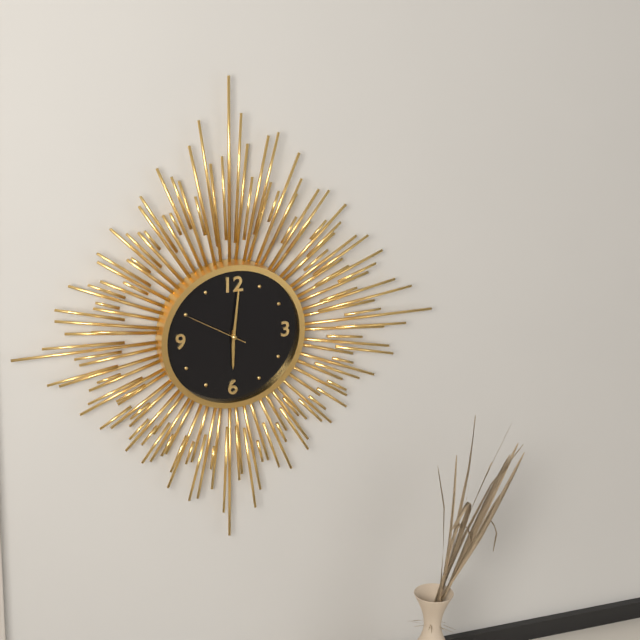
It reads 6h01m50s
